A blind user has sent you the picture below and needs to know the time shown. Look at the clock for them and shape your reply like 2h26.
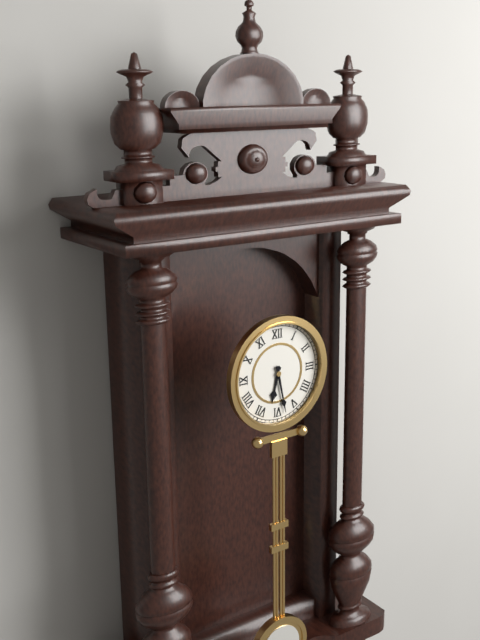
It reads 6h28
